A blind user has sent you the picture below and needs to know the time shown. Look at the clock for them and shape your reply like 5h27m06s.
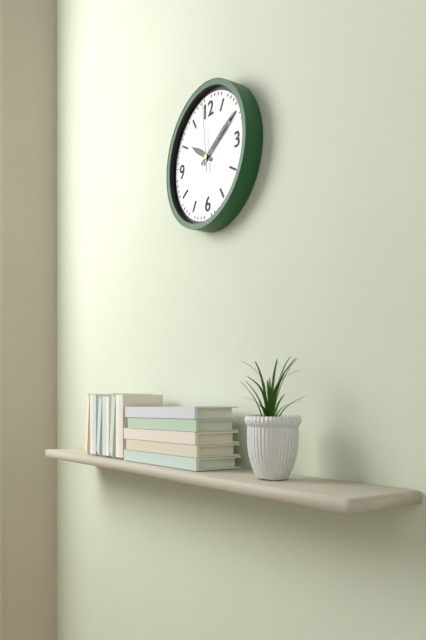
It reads 10h10m59s
